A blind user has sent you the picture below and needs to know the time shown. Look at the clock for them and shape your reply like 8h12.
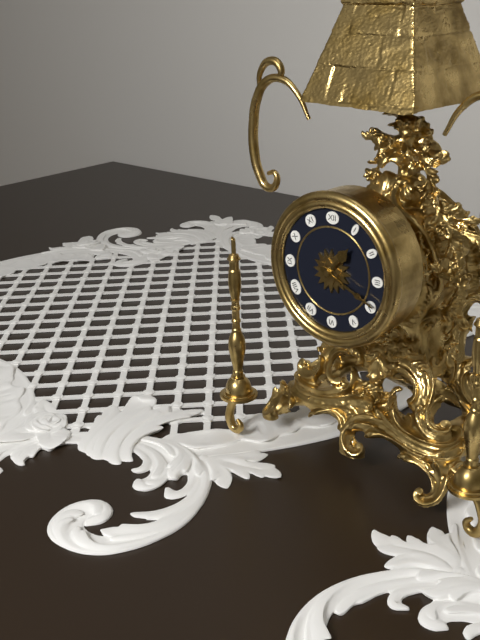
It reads 1h19
